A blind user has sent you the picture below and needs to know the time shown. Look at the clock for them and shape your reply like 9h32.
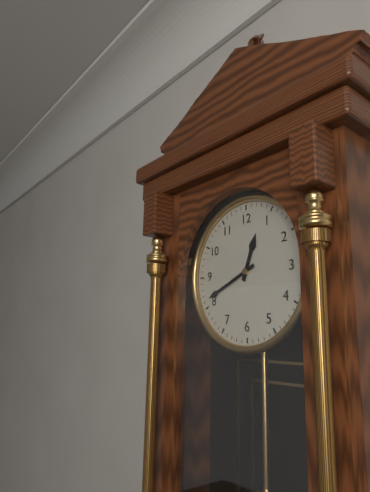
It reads 12h41
